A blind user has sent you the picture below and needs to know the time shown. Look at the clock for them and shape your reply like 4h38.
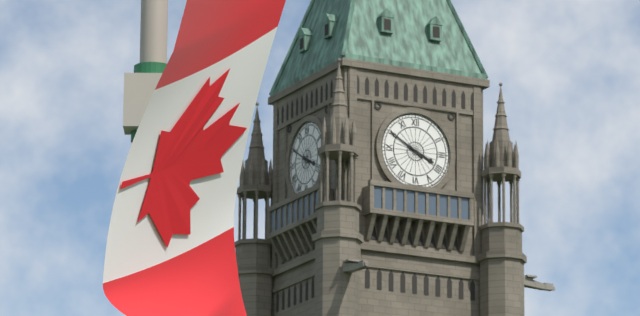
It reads 3h50
